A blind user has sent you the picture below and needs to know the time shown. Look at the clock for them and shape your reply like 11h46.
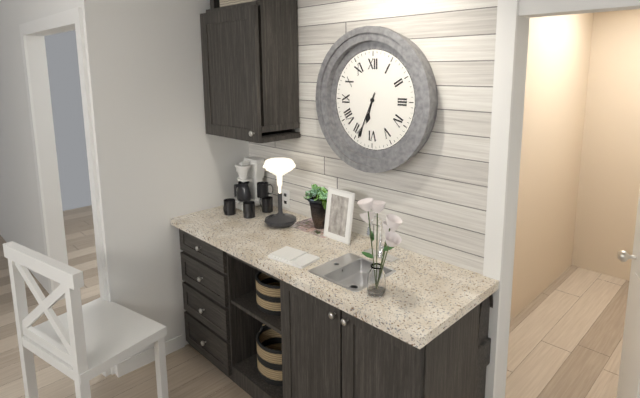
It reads 6h34
